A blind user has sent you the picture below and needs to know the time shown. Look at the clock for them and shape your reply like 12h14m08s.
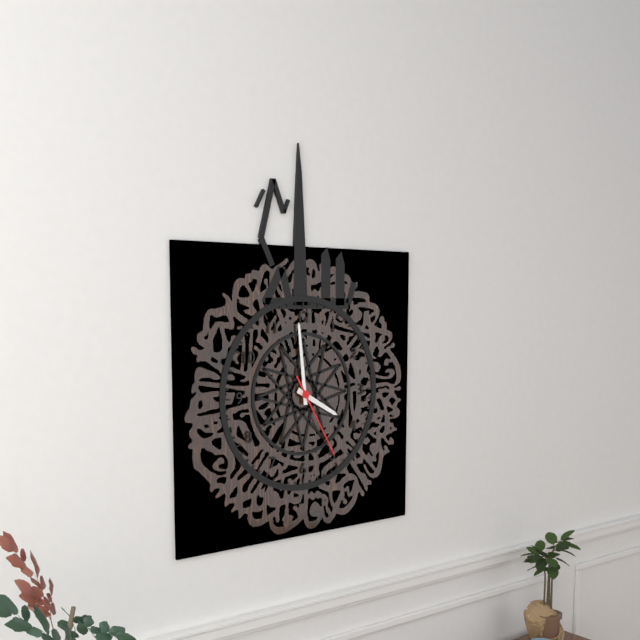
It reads 3h59m25s
